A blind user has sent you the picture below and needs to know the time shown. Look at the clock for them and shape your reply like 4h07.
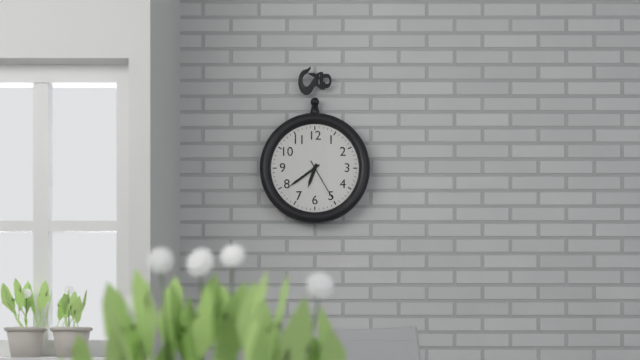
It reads 6h39
